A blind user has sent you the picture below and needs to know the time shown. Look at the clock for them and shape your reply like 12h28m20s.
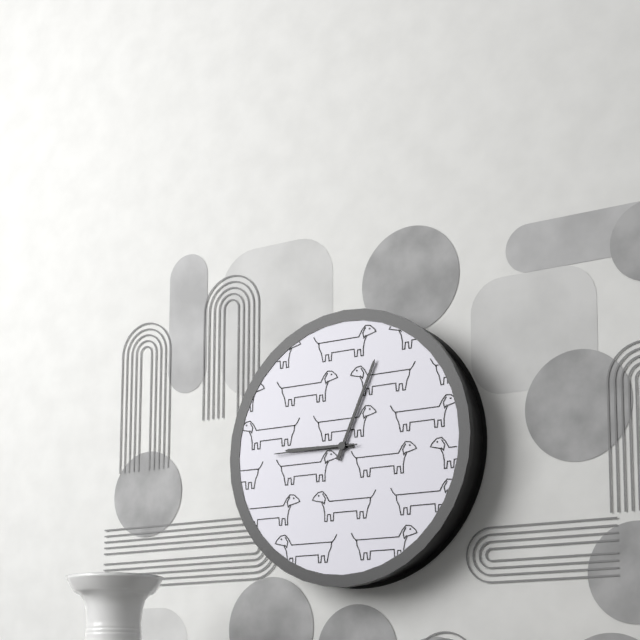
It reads 9h04m45s
